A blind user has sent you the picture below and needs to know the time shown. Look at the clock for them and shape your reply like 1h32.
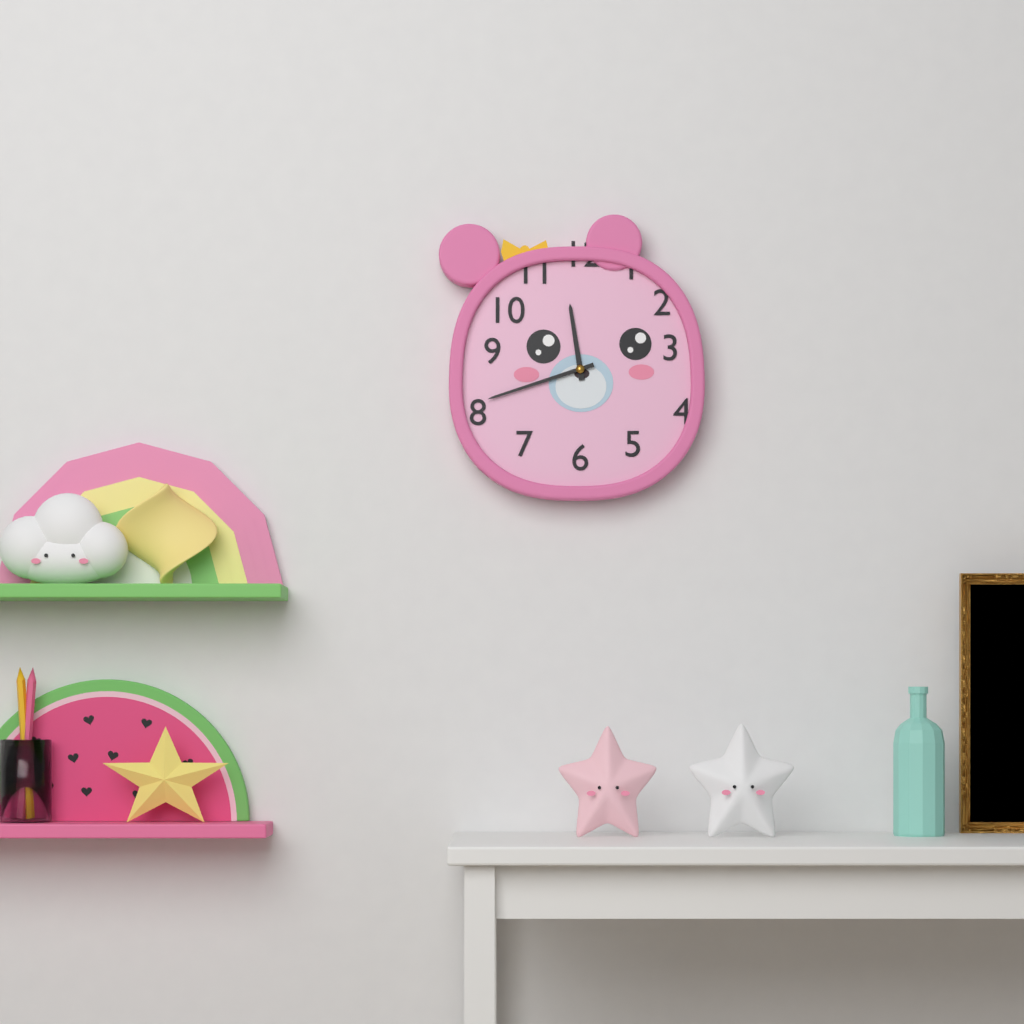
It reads 11h42
